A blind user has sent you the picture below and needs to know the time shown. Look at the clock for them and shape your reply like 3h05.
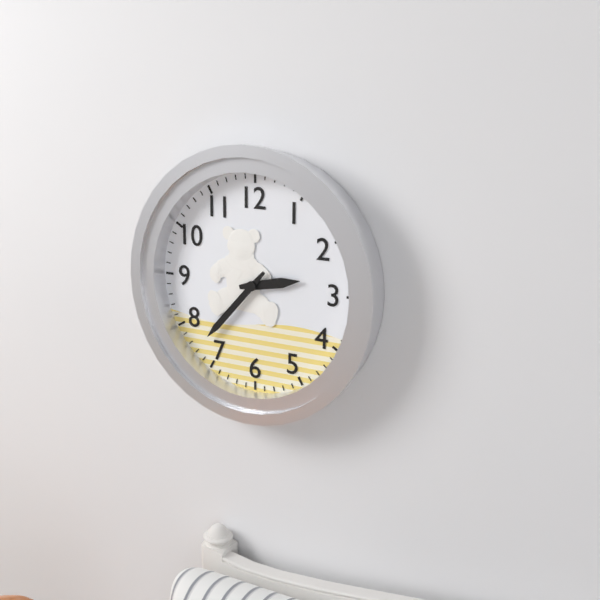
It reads 2h37
